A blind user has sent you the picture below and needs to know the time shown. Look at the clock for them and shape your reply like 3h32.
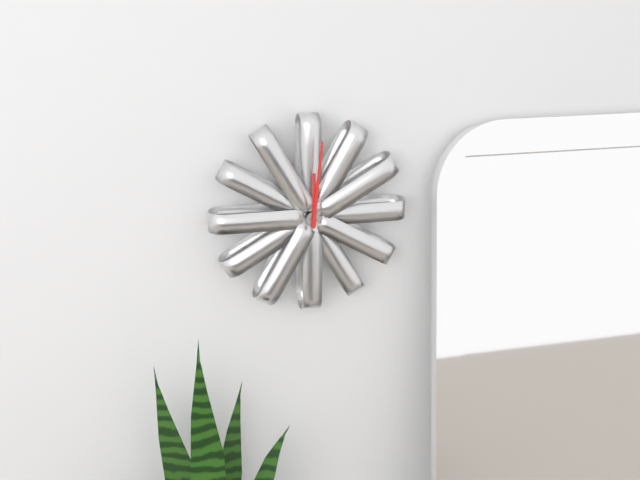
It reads 12h01
